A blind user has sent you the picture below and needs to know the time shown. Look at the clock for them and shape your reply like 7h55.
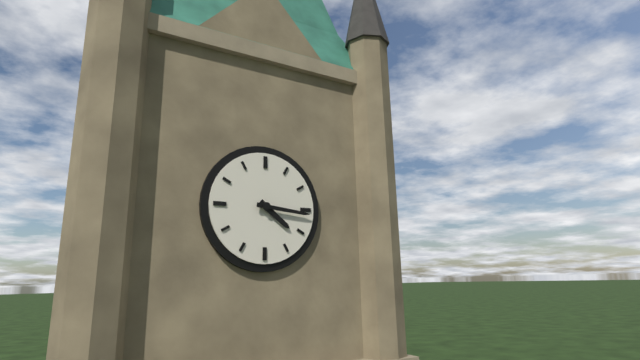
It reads 4h16
